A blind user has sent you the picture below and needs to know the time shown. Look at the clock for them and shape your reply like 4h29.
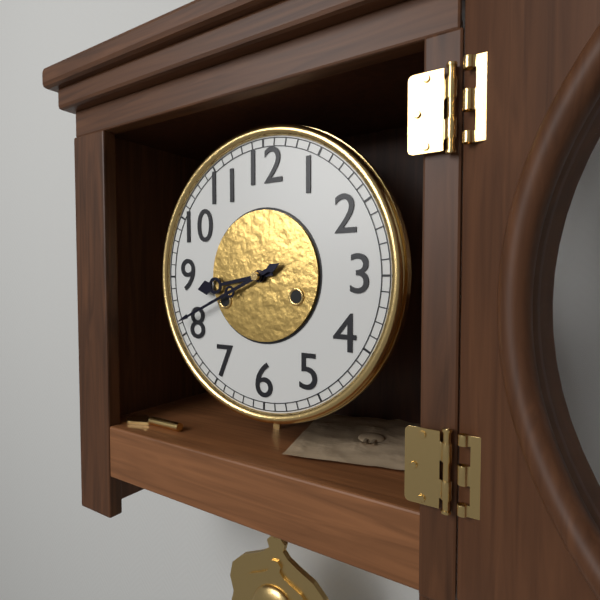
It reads 8h41
